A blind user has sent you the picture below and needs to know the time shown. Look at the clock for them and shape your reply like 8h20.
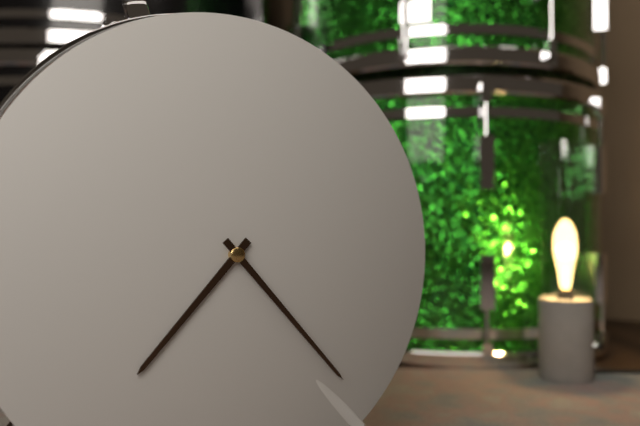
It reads 7h23
